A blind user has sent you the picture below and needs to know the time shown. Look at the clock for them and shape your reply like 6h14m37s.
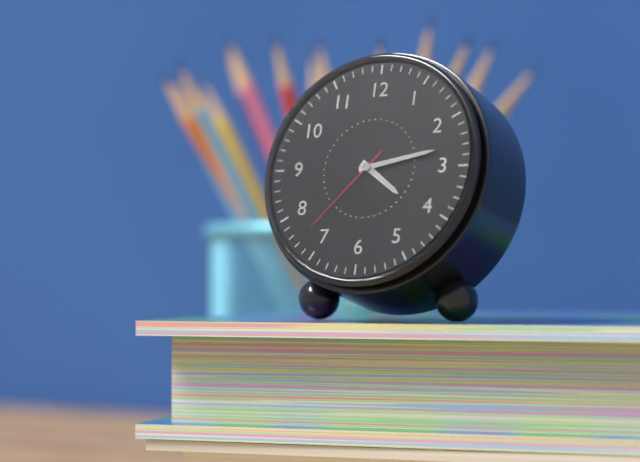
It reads 4h13m37s
